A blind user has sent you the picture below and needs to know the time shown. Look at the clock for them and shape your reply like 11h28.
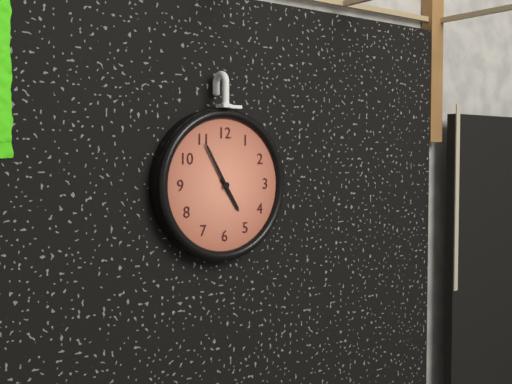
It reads 4h55
